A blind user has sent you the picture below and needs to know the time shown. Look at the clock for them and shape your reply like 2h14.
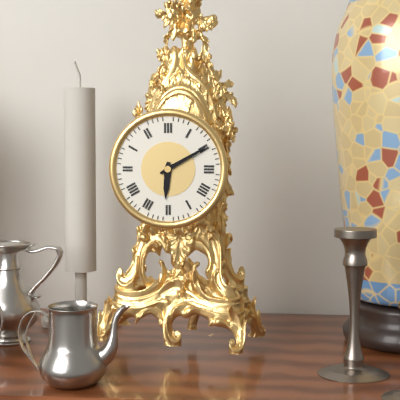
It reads 6h10
